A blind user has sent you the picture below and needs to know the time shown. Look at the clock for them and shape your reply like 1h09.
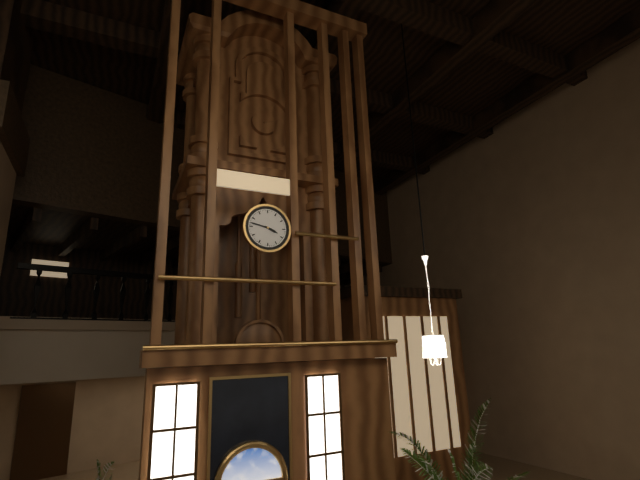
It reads 3h47
